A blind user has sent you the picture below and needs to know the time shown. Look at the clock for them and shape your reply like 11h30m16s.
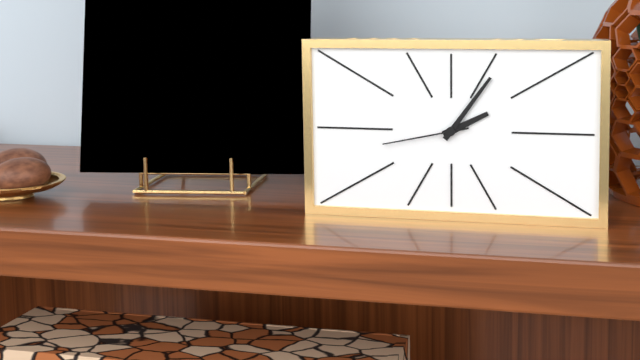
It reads 2h06m43s
